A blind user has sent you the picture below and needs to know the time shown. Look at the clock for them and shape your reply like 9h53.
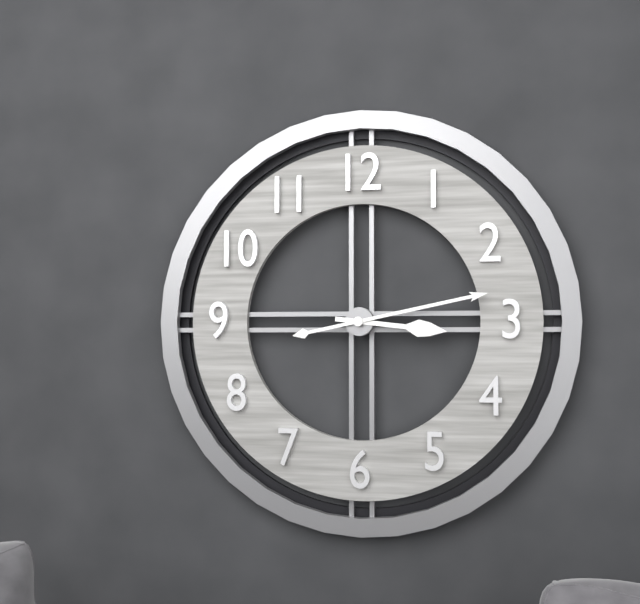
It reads 3h13
